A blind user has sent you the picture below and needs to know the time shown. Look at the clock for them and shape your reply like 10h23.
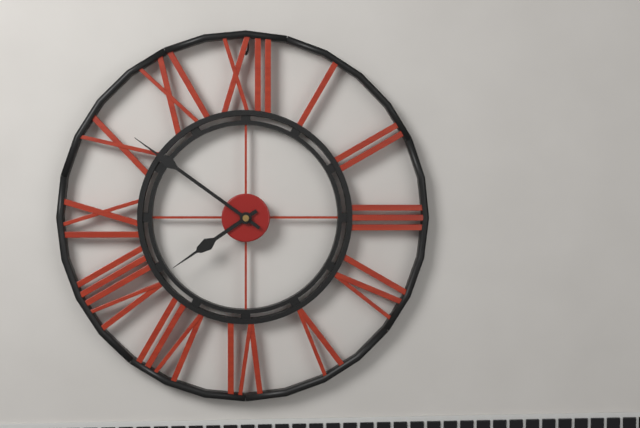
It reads 7h51
